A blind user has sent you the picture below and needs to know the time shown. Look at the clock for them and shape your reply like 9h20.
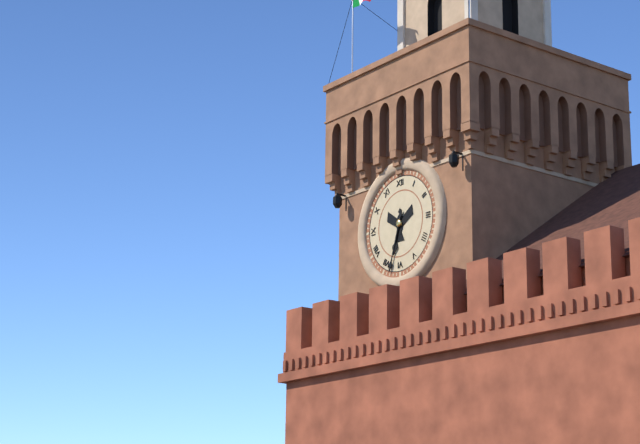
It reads 6h33
